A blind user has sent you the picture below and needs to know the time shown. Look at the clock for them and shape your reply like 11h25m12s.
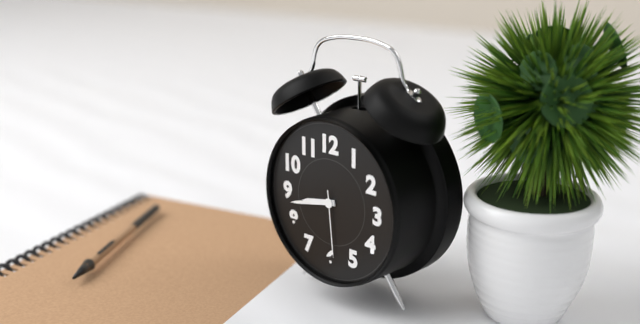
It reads 8h43m29s
